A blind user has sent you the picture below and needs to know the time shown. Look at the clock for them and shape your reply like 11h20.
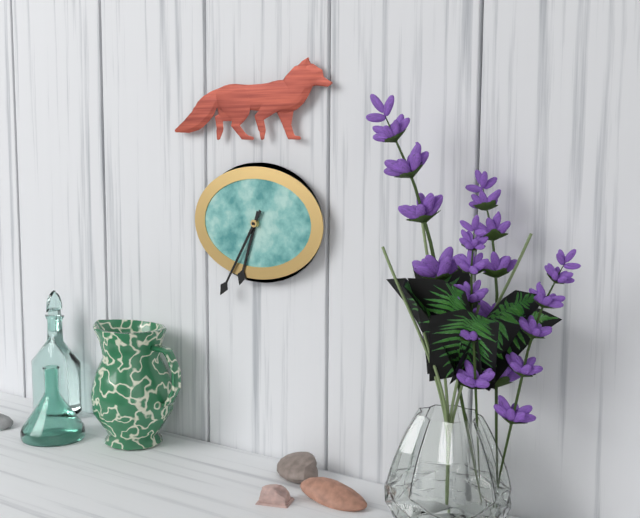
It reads 6h35
